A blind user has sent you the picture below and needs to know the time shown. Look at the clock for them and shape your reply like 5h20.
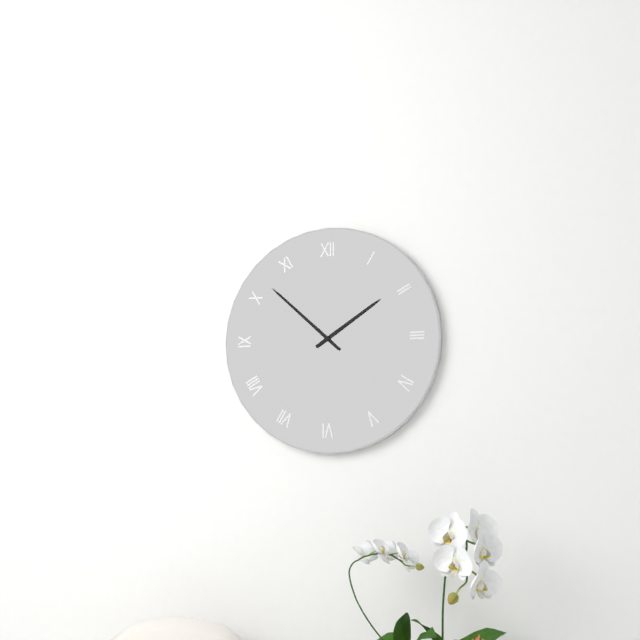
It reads 1h52
